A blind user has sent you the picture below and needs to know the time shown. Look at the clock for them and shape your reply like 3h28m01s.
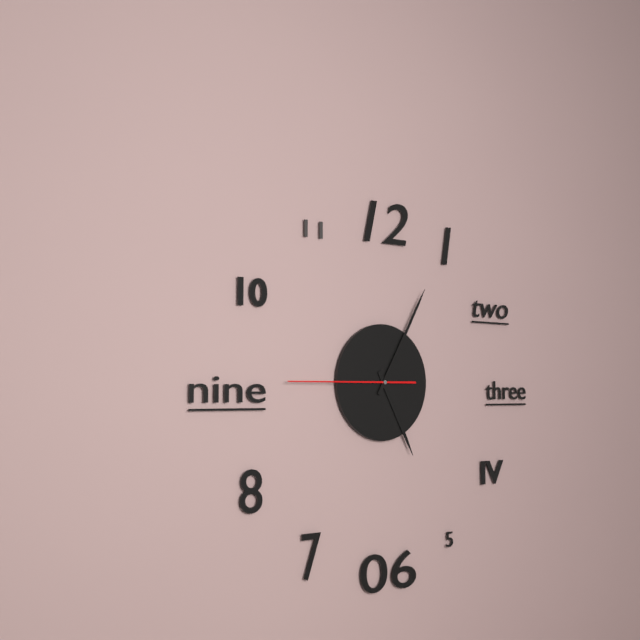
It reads 5h05m45s
